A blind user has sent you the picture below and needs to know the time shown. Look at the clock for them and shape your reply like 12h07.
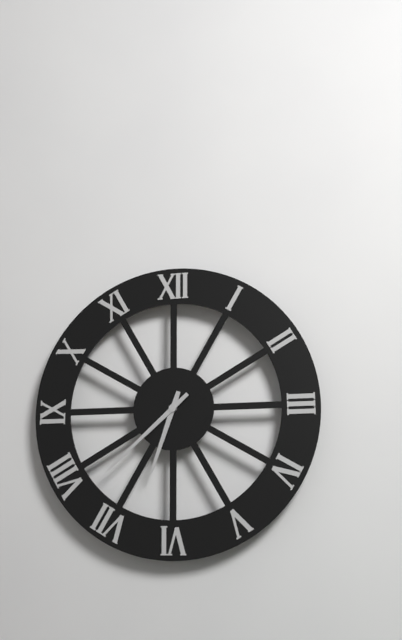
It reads 6h38
